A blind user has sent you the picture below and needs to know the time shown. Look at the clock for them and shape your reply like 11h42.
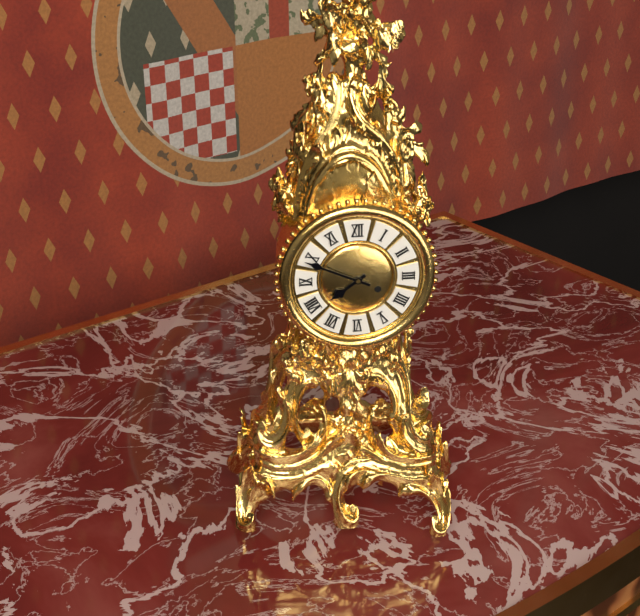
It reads 7h49
